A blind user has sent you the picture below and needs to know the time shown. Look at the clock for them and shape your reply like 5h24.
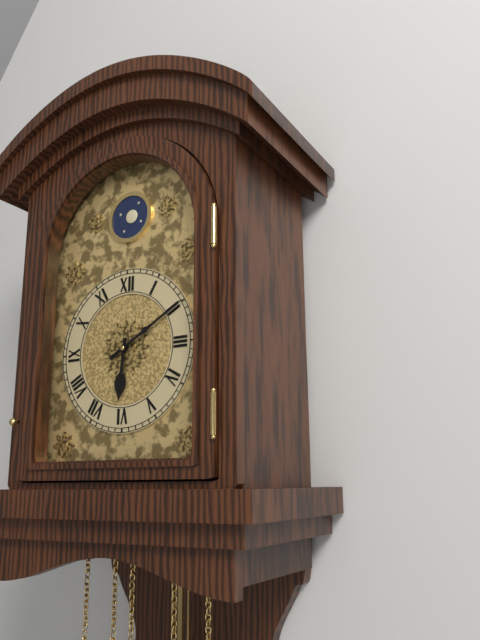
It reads 6h10
